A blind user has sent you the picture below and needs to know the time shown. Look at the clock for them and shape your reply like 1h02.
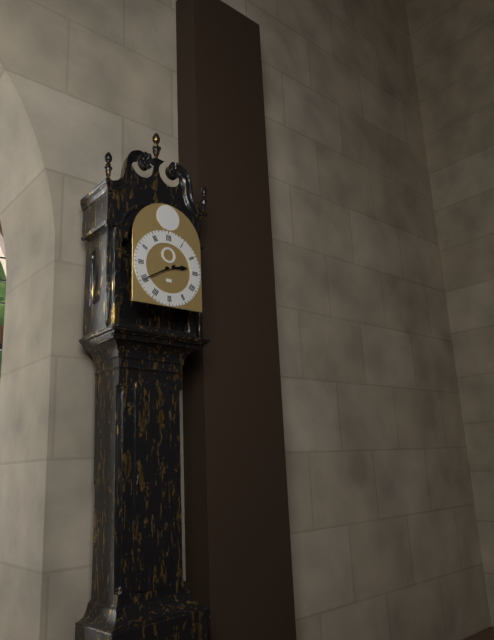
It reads 2h40
